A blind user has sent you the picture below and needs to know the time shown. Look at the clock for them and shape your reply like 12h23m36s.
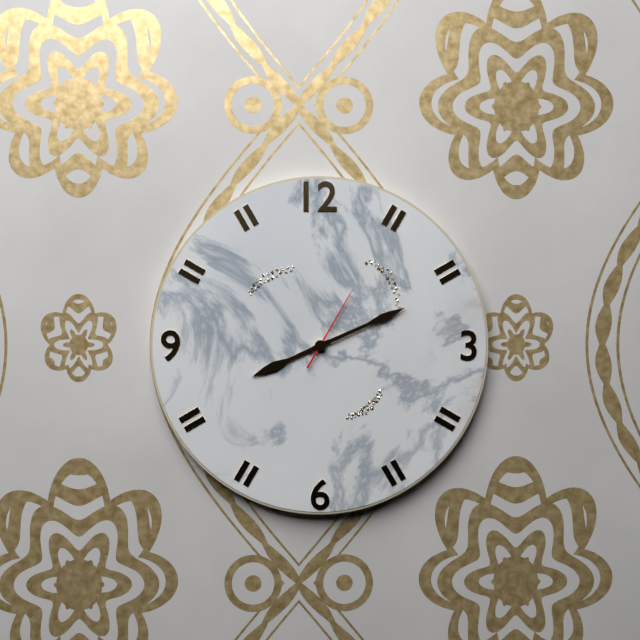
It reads 8h11m05s
